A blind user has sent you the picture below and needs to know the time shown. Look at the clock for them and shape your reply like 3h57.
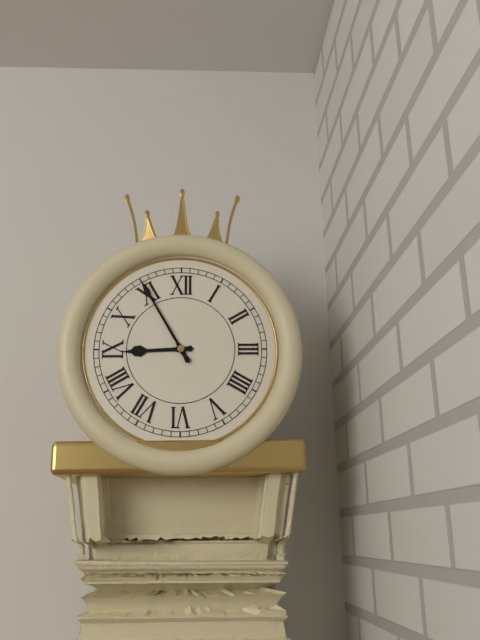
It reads 8h55
